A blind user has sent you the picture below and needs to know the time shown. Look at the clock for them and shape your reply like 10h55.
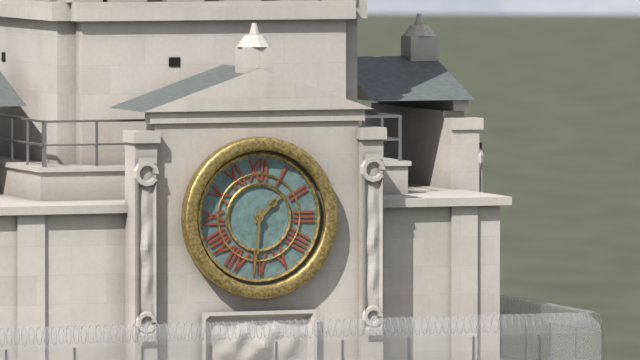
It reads 1h31
